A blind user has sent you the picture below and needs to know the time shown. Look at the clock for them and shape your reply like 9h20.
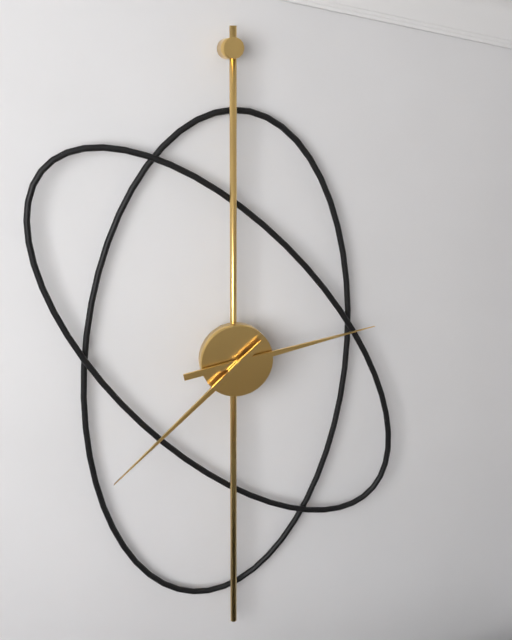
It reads 2h38
